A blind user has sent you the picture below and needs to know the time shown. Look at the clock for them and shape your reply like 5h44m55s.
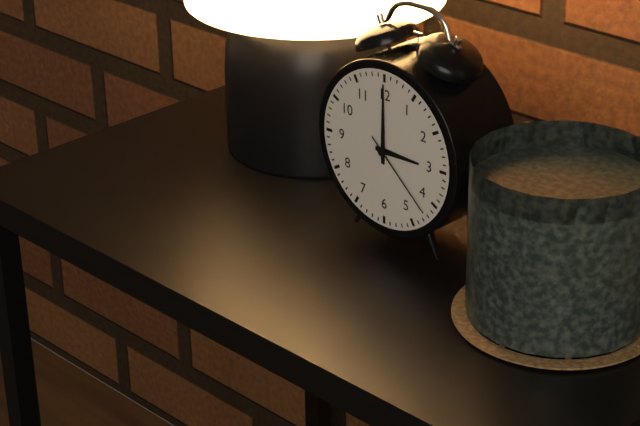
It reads 3h00m22s
